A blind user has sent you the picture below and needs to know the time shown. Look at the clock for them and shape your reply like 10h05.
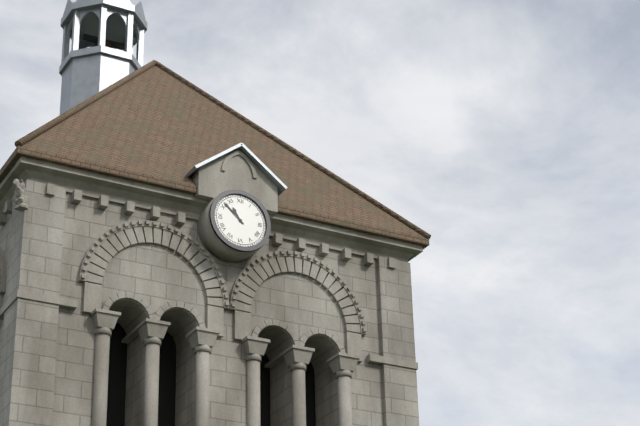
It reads 10h52
